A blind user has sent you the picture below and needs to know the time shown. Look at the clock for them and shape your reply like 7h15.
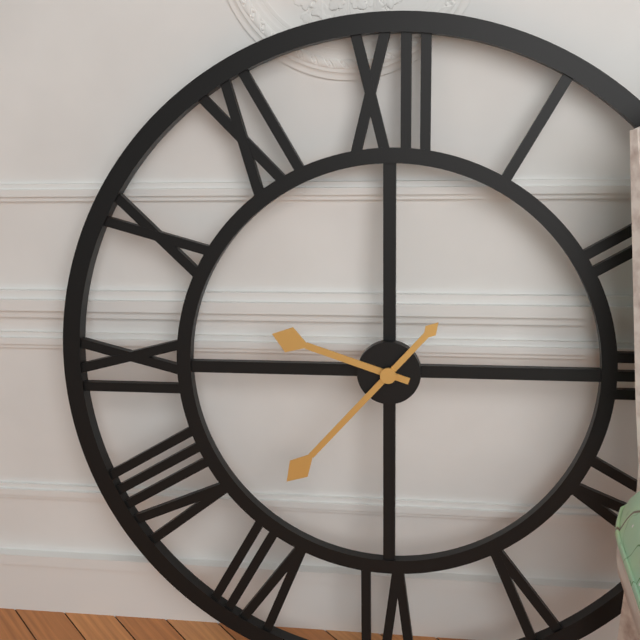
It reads 9h37
